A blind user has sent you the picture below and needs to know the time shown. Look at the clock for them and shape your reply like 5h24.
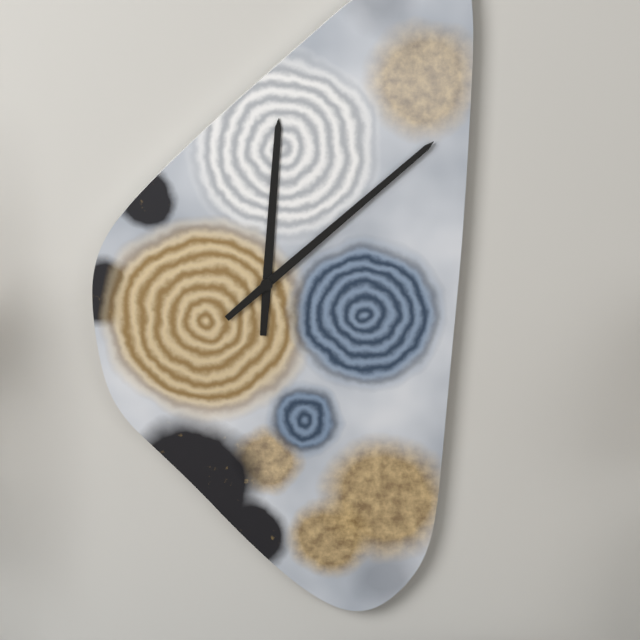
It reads 12h08
